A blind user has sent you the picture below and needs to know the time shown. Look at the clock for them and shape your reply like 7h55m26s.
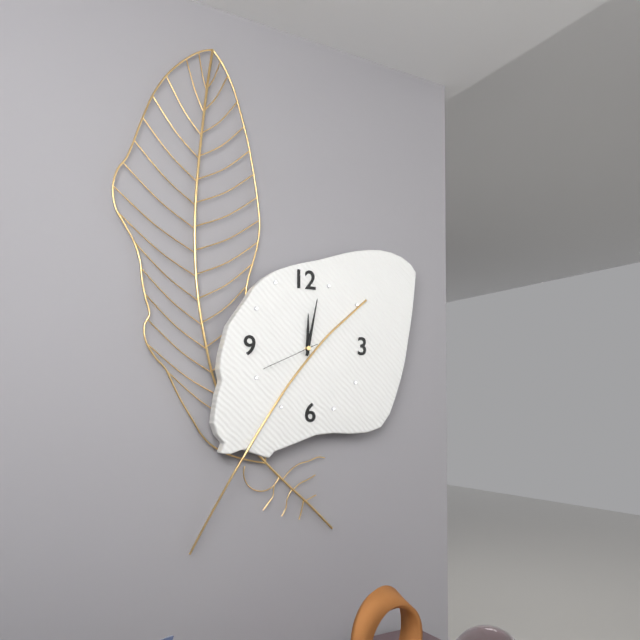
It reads 12h02m41s
